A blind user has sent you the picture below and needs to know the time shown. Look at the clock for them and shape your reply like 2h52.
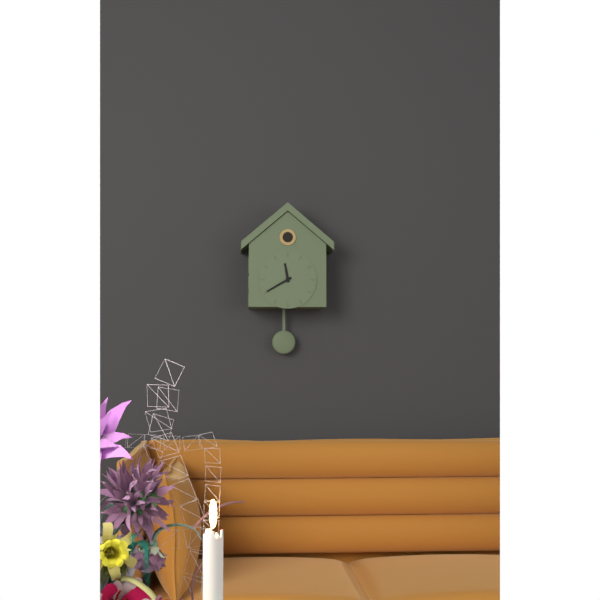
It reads 11h40
